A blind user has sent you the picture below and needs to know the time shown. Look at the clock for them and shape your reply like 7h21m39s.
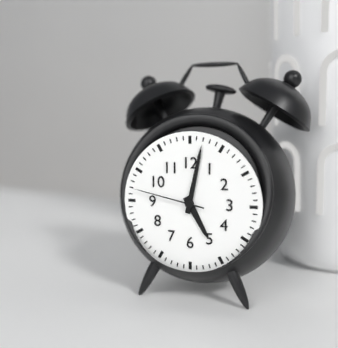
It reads 5h02m47s
